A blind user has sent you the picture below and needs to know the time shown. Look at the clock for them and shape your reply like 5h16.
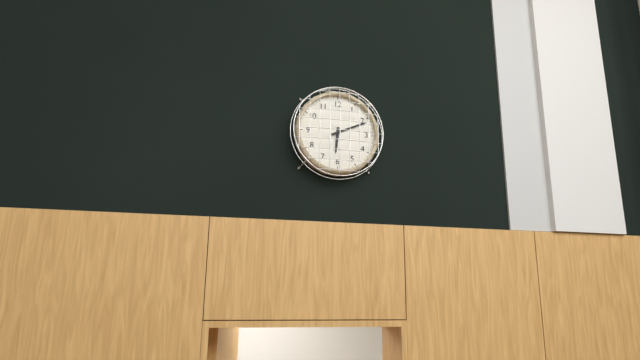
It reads 6h11
